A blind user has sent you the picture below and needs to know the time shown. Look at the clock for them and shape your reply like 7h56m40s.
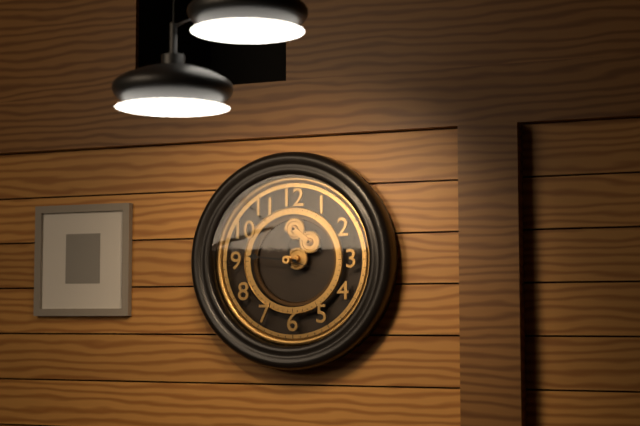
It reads 11h46m18s
